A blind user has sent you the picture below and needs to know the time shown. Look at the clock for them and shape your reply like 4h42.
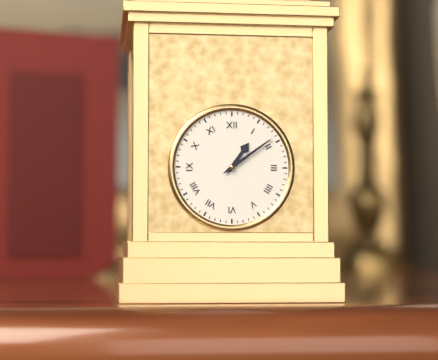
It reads 1h09
